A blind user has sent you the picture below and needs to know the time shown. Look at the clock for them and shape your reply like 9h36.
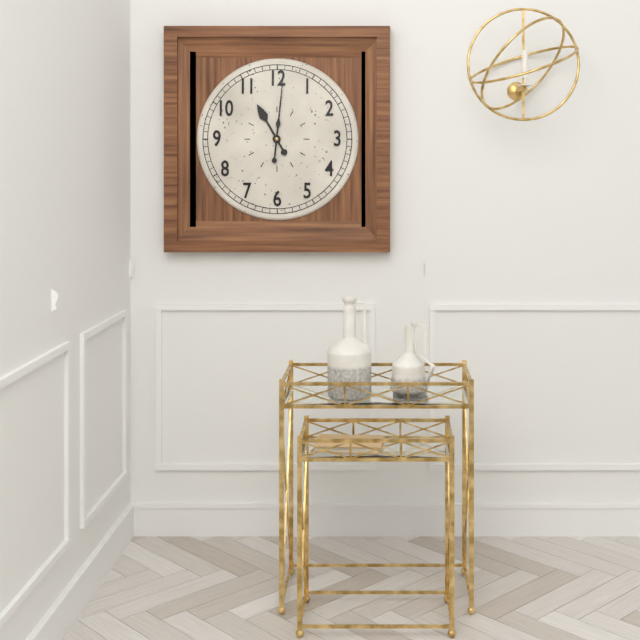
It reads 11h01
